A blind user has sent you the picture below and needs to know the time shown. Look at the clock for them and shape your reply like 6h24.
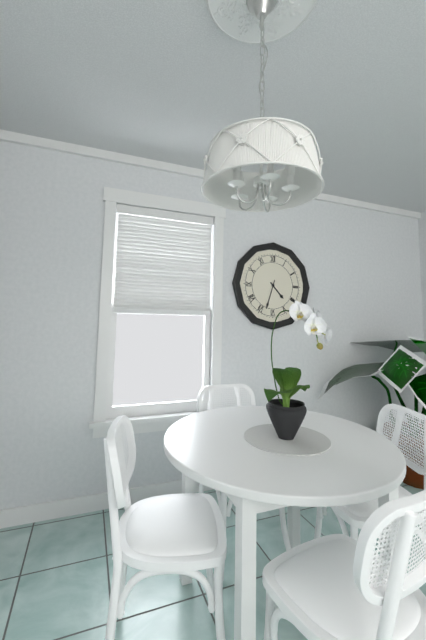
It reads 4h33
